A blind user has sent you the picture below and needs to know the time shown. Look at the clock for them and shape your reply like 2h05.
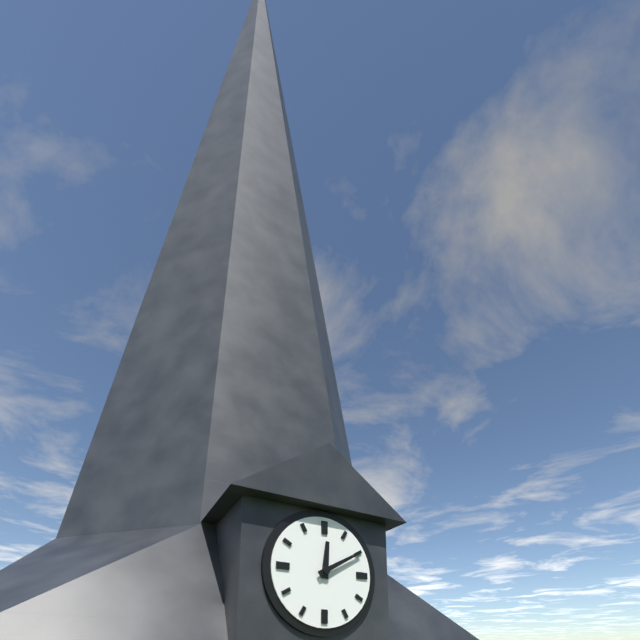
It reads 12h10
